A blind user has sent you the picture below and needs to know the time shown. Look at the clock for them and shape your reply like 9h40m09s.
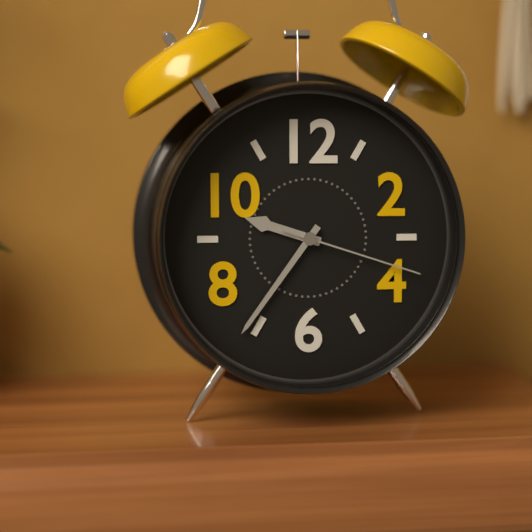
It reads 9h36m18s
